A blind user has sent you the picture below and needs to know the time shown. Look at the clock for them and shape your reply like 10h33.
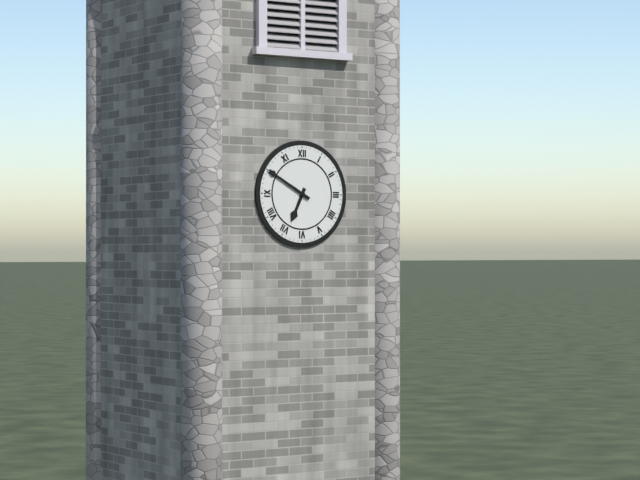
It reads 6h50
